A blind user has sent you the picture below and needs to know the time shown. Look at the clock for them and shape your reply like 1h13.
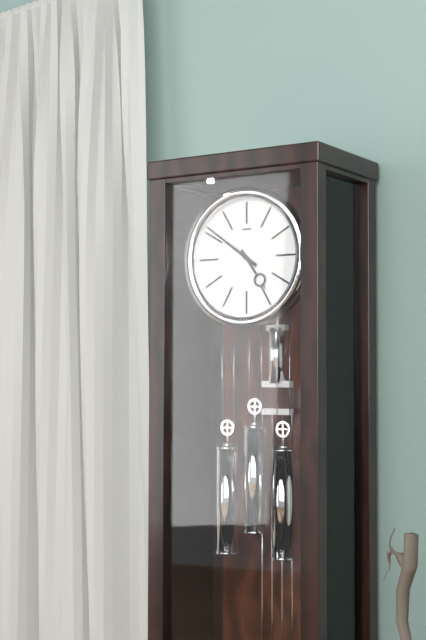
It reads 4h51
